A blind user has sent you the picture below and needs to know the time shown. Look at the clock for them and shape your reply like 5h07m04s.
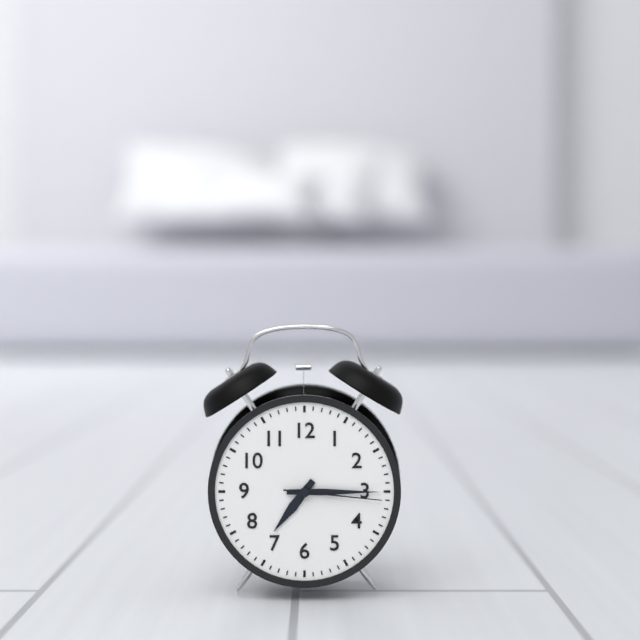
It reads 7h15m16s
